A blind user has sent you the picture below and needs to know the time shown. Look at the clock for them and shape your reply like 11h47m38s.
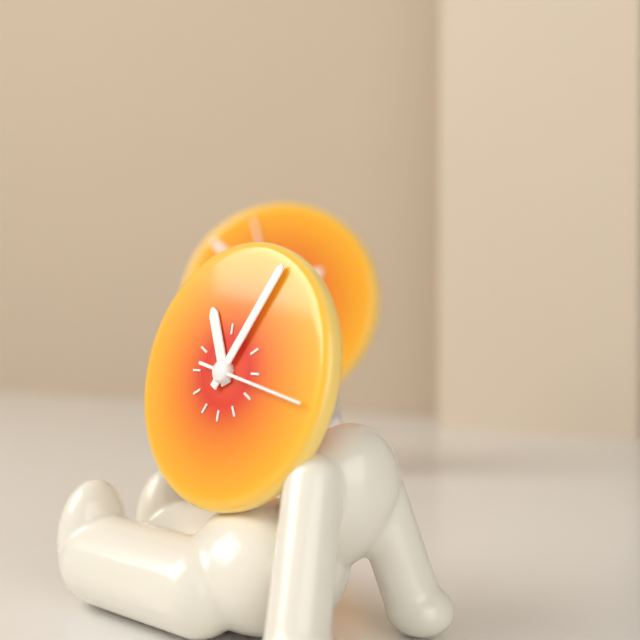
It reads 11h05m17s
